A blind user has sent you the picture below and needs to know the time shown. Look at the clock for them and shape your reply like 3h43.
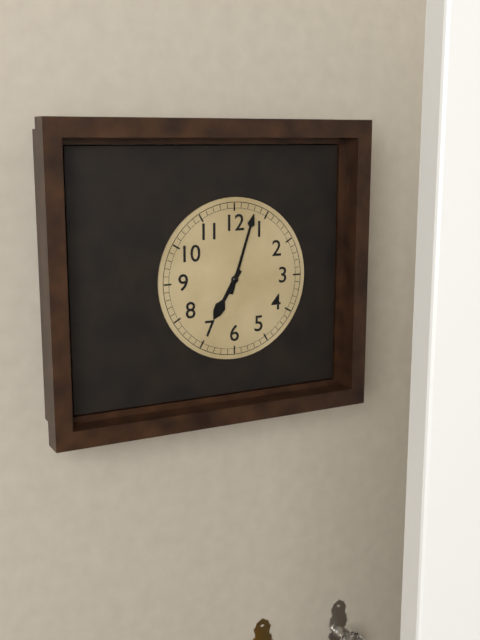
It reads 7h03
